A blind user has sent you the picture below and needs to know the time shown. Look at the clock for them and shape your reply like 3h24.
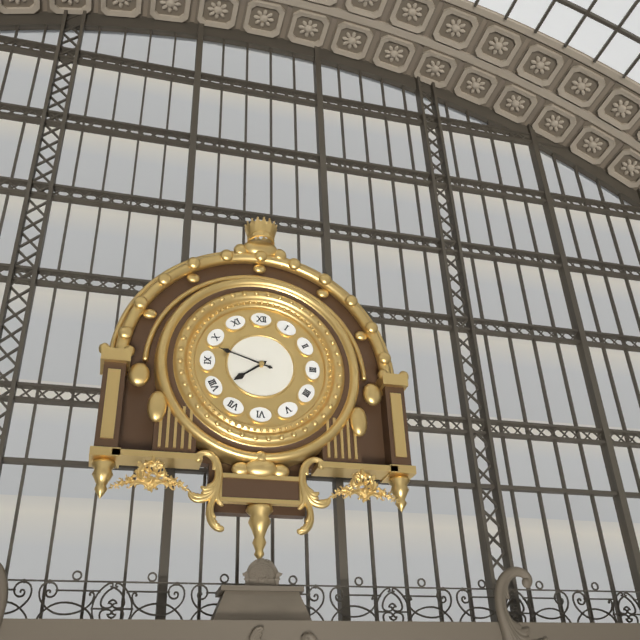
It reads 7h48
